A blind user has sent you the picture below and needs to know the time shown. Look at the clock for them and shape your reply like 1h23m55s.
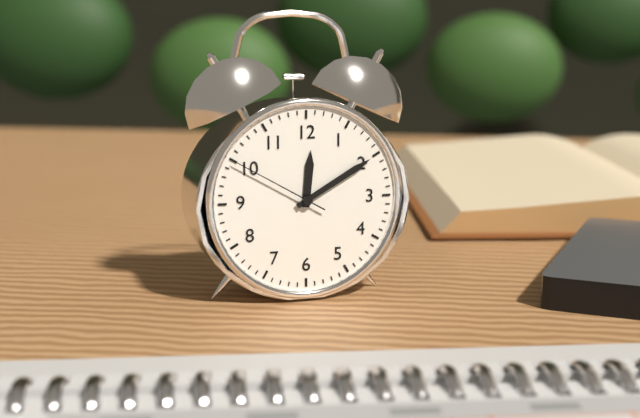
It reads 12h10m50s
